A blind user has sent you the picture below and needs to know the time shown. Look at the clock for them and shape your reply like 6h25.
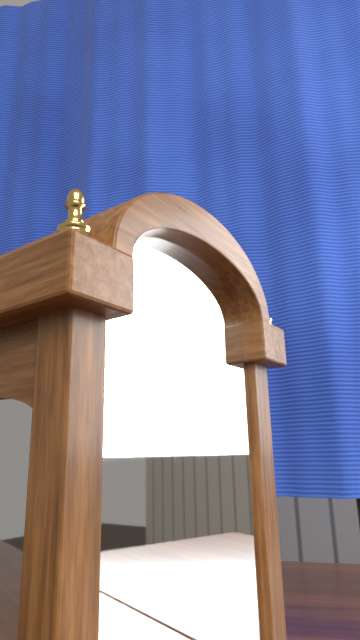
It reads 2h22
